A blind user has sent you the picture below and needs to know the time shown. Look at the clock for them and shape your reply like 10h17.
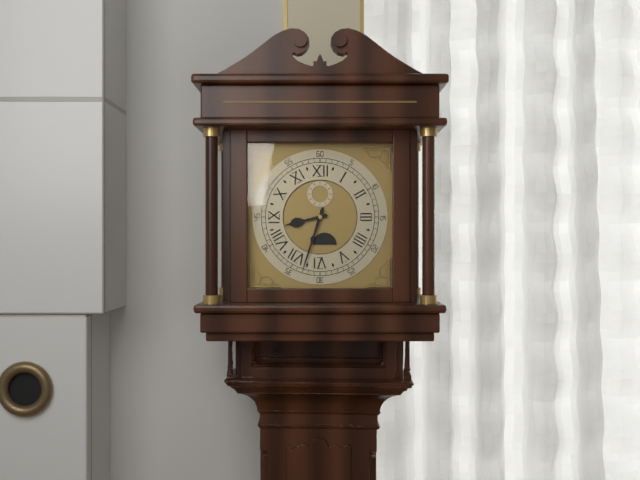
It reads 8h33
